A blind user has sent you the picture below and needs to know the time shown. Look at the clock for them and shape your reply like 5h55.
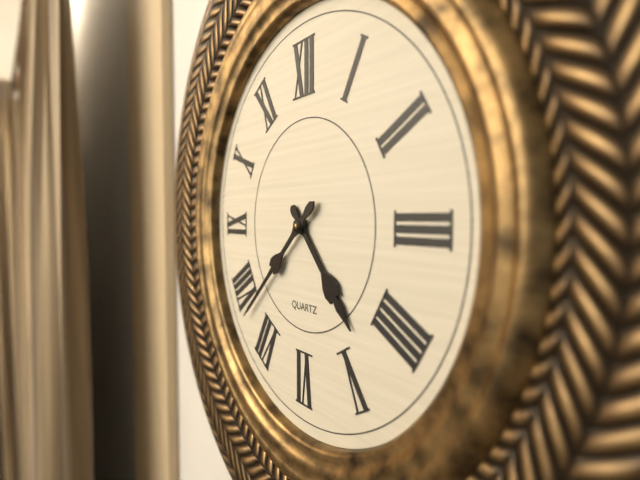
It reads 4h38
